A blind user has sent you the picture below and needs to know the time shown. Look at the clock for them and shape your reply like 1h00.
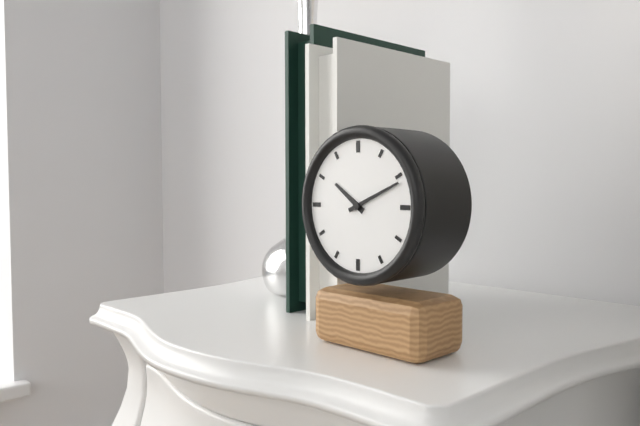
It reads 10h11
